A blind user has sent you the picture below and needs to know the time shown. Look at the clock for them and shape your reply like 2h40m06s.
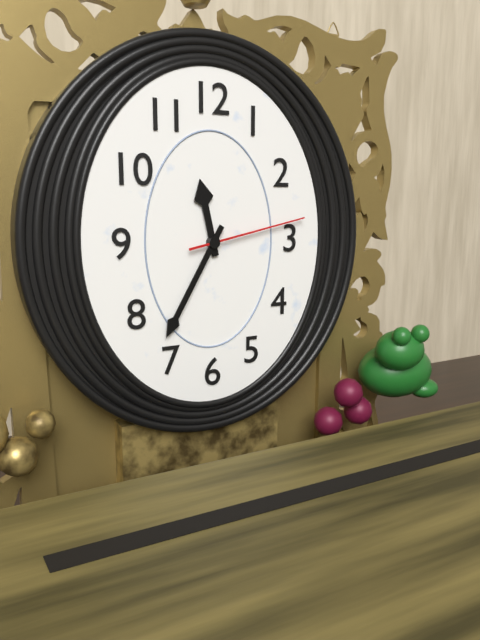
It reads 11h35m13s
